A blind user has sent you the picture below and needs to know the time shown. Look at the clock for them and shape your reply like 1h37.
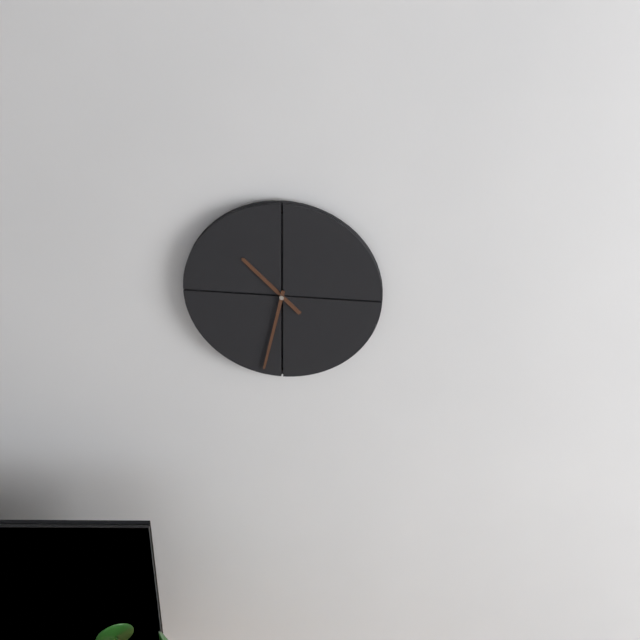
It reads 10h32
